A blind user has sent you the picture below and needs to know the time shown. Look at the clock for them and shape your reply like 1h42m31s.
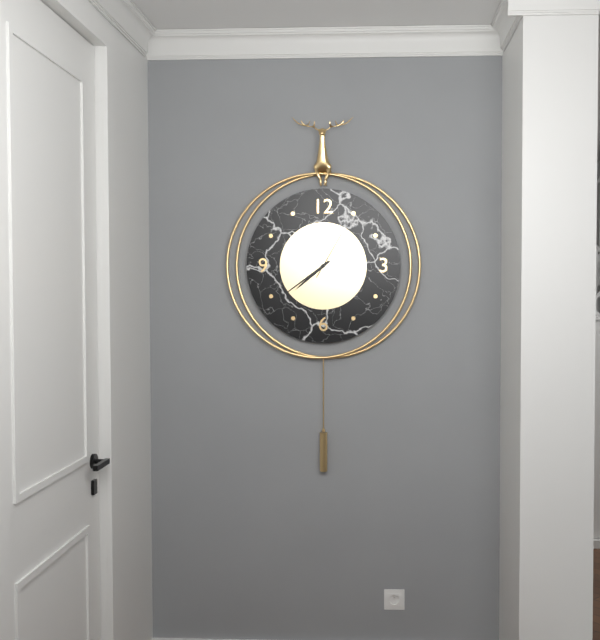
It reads 7h39m05s
